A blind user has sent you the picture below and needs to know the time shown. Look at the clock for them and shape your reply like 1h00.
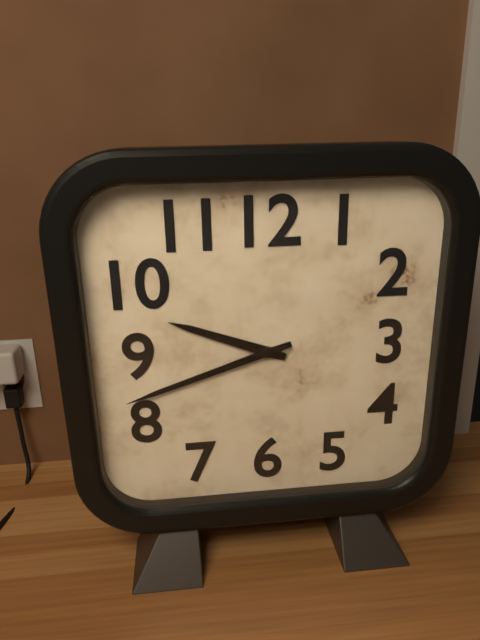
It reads 9h42
